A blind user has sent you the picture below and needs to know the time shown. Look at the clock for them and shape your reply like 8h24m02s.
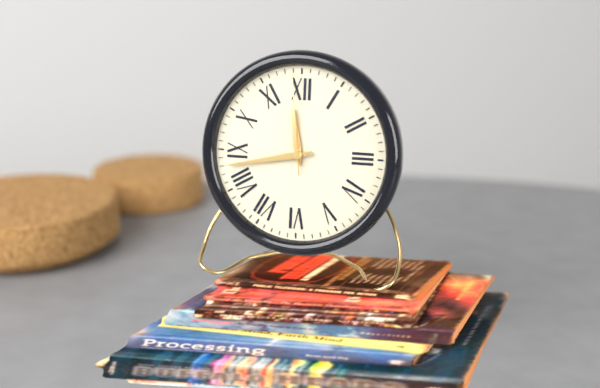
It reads 11h43m59s
